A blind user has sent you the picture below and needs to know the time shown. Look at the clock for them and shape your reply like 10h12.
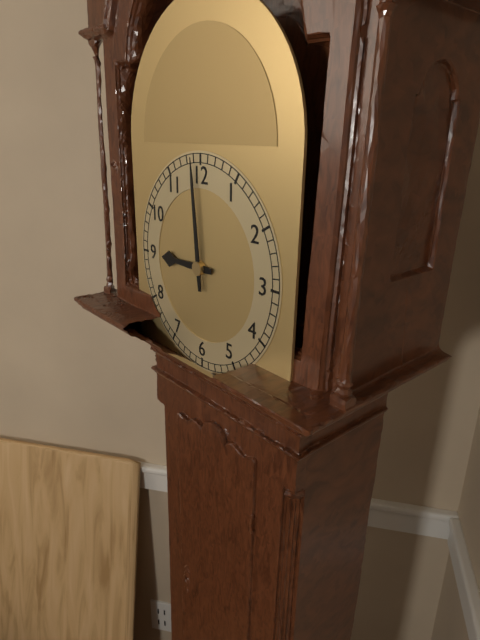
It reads 8h59
